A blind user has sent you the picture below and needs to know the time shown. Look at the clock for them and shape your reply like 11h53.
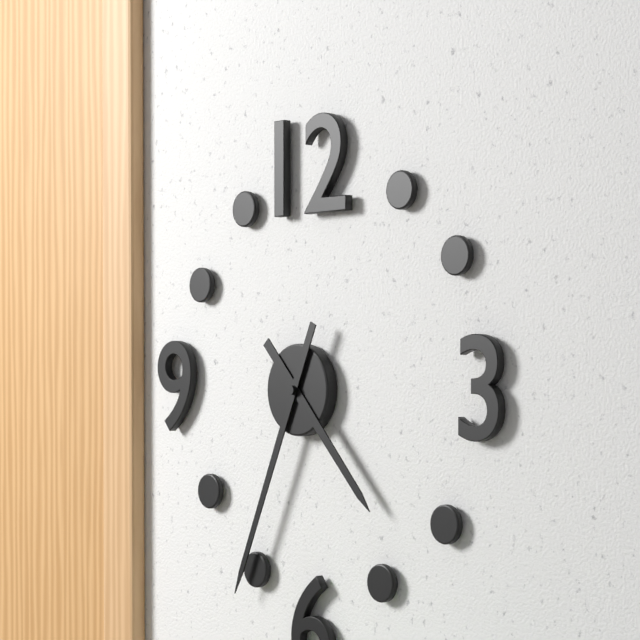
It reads 4h34
